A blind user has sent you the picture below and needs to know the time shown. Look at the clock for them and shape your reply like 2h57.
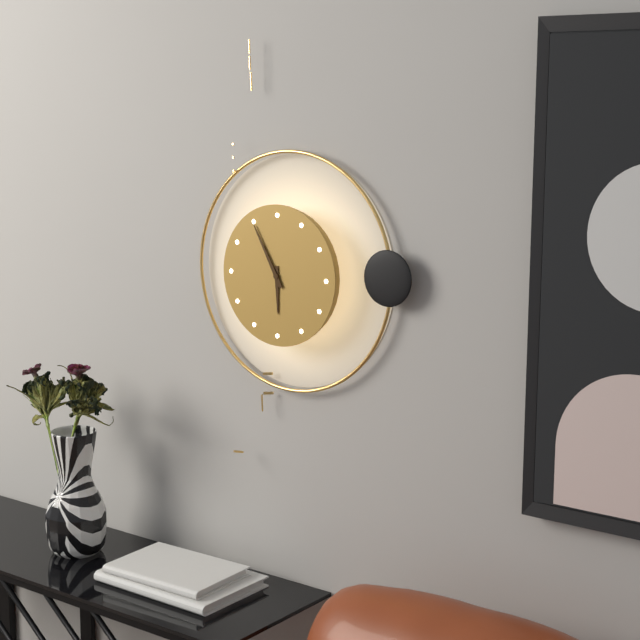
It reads 5h55
